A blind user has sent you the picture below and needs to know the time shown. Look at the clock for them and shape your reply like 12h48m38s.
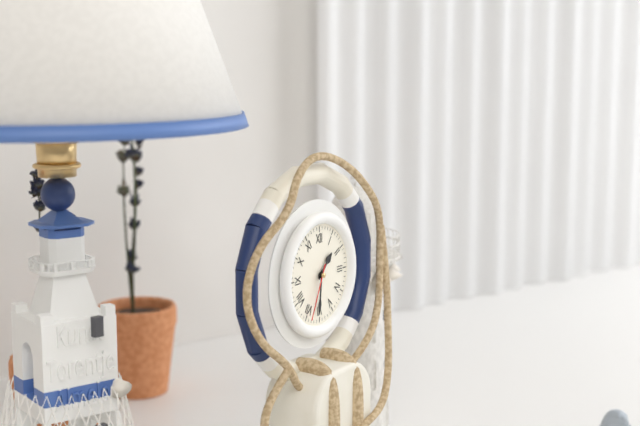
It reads 1h31m34s
